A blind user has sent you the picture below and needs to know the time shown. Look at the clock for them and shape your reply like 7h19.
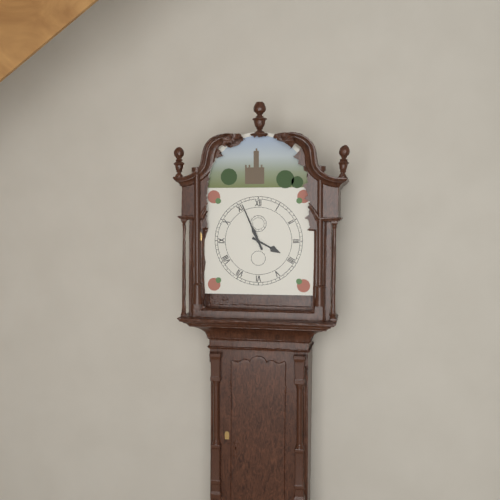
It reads 3h56
